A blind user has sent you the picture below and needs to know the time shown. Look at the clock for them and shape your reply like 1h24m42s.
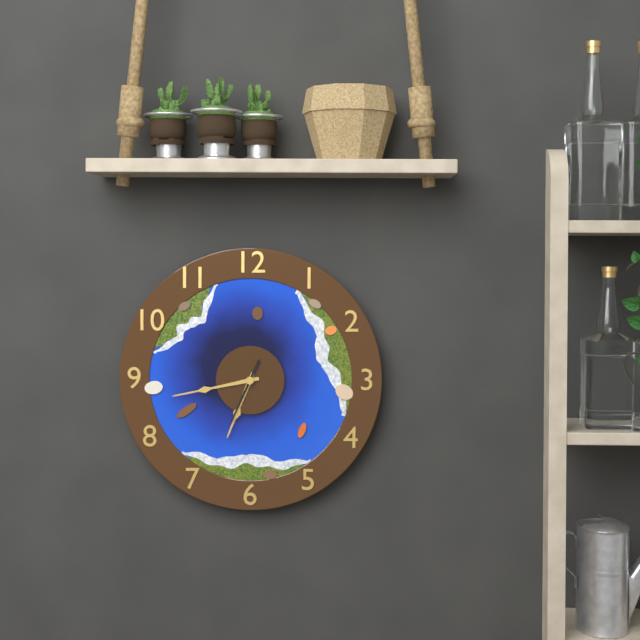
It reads 6h43m34s
